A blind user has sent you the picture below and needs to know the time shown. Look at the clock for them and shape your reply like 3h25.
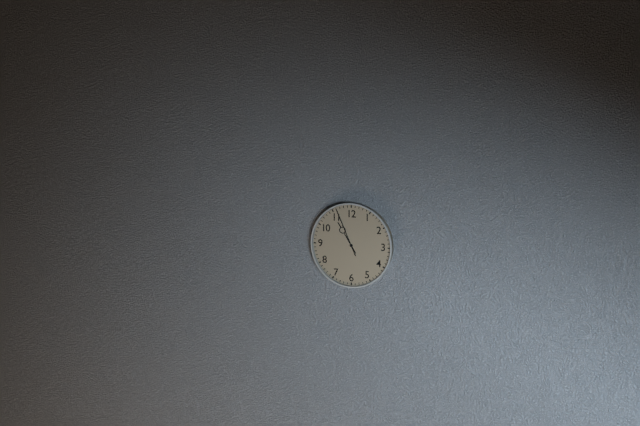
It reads 10h56
